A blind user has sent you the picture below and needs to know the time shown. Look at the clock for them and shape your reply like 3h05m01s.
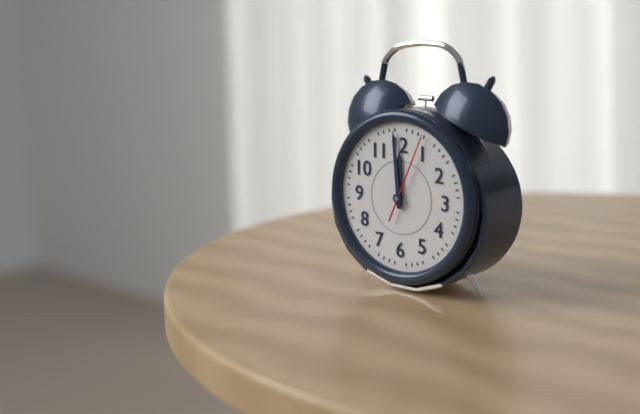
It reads 11h59m04s
